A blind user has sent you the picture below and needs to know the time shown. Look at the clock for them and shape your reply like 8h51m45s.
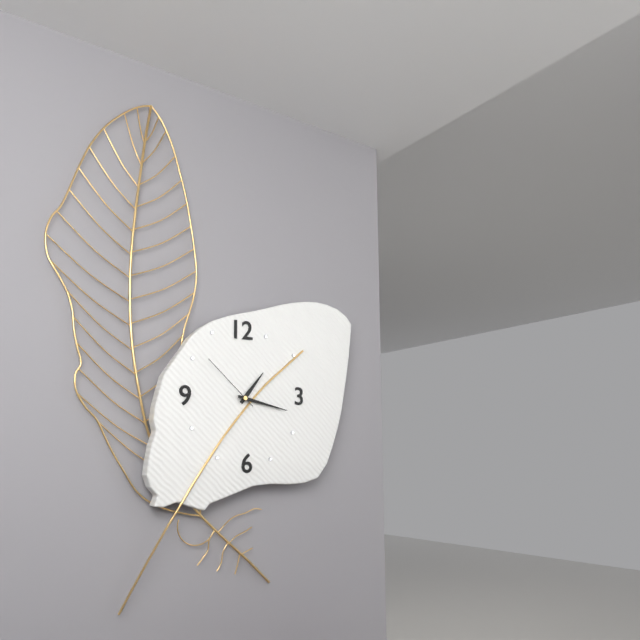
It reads 1h17m52s
